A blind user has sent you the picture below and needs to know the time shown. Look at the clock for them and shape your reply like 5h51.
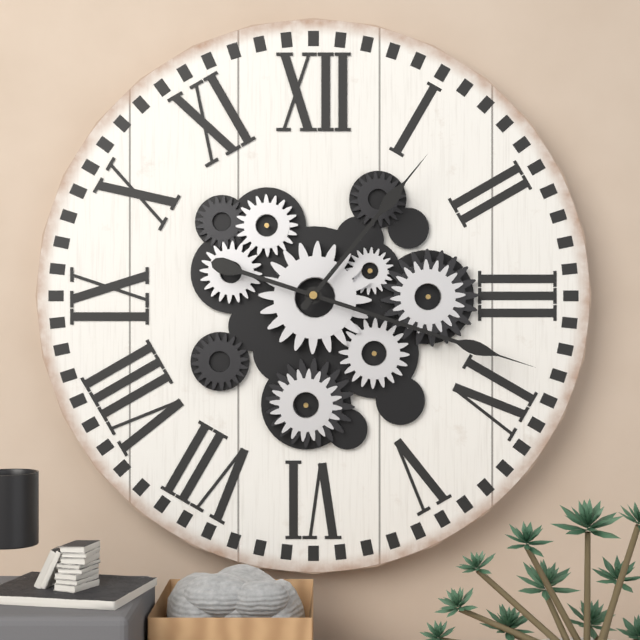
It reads 1h18
